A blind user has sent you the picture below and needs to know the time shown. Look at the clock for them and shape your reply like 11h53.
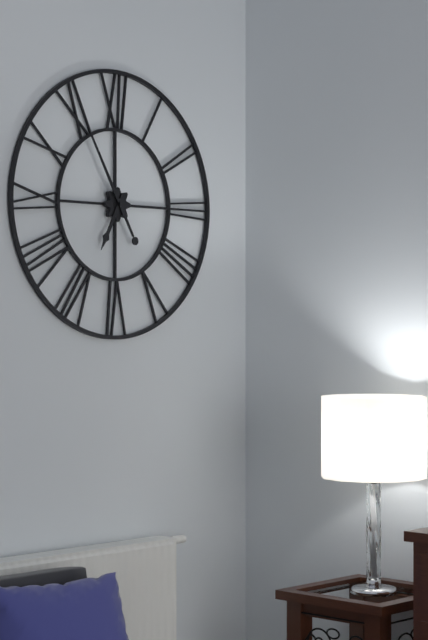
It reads 6h55
